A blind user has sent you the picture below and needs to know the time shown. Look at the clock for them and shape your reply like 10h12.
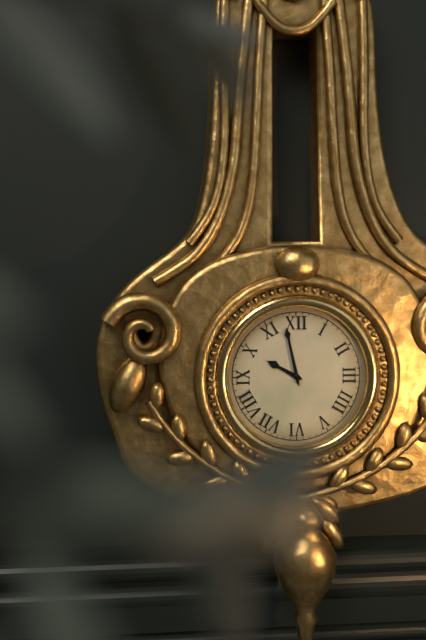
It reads 9h58
